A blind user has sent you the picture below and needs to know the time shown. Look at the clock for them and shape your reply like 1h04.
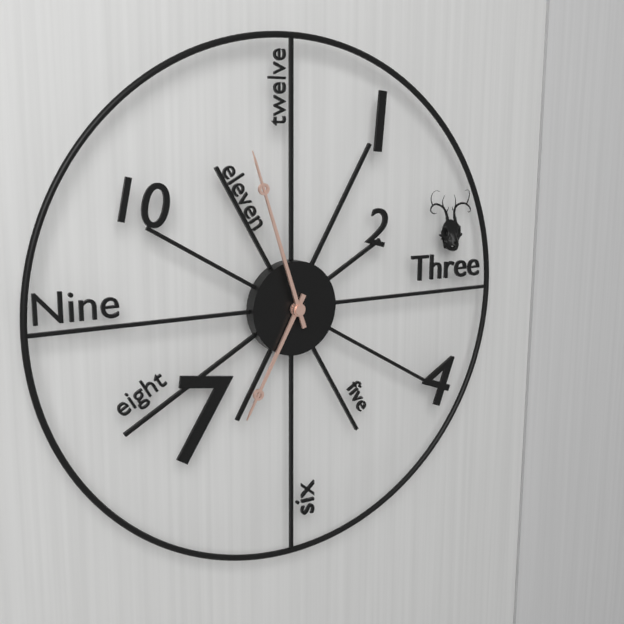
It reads 6h57
